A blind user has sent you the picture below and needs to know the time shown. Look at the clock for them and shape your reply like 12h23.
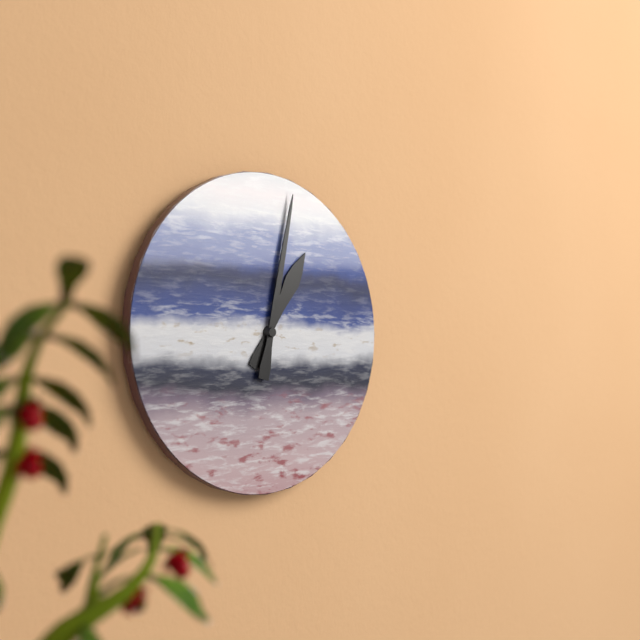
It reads 1h02
